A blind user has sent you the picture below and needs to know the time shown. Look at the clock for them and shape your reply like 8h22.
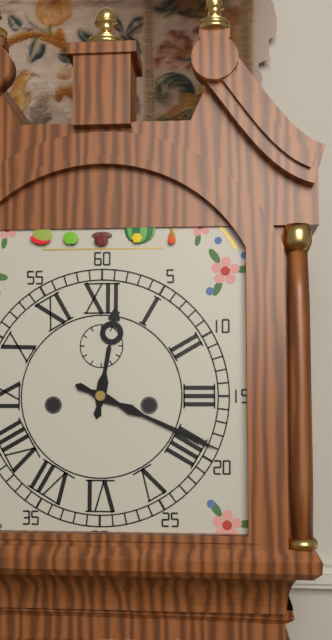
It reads 12h19
